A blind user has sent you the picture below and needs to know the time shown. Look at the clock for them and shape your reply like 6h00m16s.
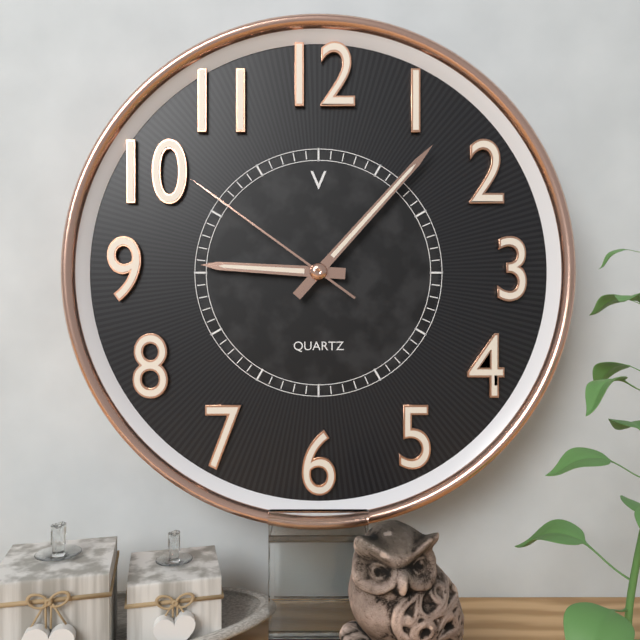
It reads 9h07m51s
